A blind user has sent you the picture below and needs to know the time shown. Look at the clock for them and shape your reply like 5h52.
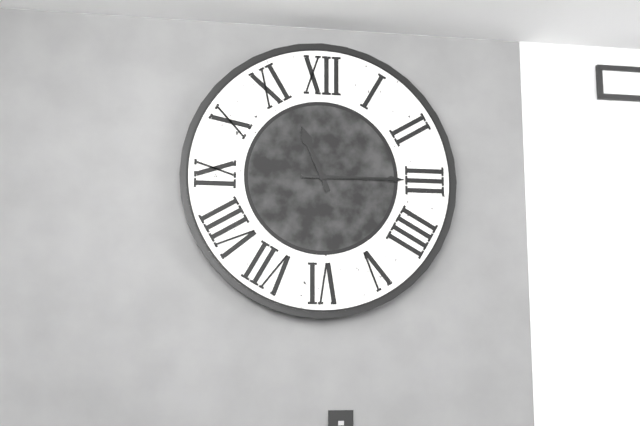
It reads 11h15
